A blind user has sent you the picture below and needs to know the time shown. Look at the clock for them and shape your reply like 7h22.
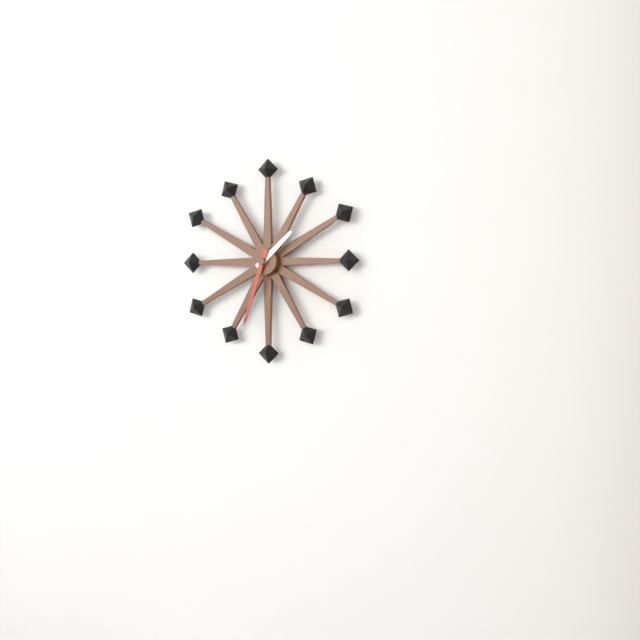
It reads 1h33
